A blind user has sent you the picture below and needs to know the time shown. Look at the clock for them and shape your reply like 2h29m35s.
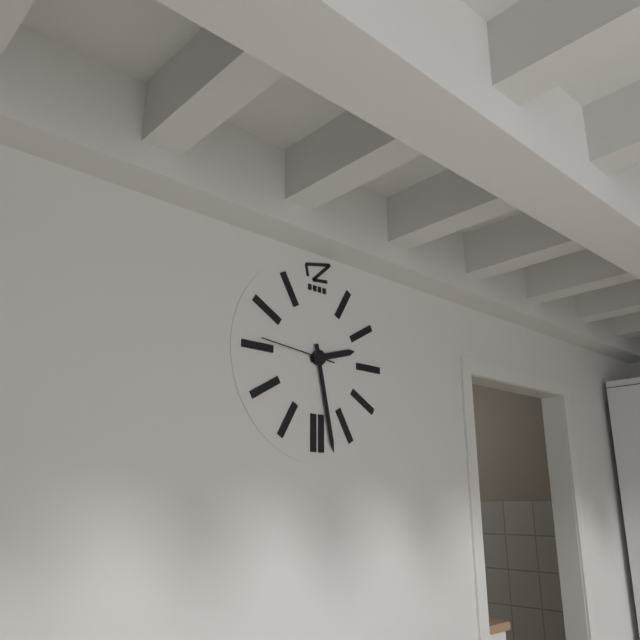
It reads 2h28m46s
